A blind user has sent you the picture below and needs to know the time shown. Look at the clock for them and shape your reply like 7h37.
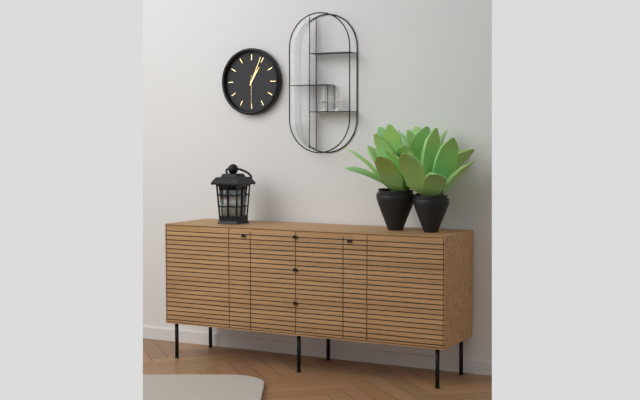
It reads 1h04
